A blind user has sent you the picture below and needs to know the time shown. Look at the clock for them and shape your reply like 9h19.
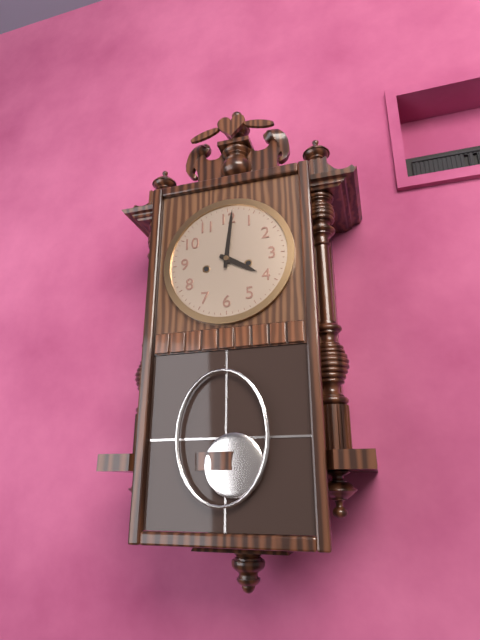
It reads 4h01
